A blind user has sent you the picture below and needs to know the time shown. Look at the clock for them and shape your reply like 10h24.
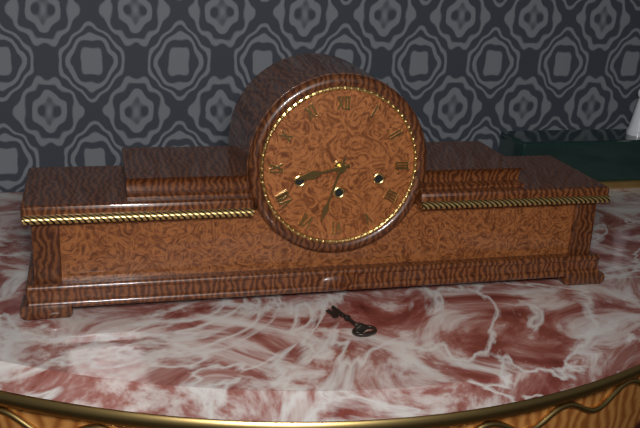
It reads 8h33
